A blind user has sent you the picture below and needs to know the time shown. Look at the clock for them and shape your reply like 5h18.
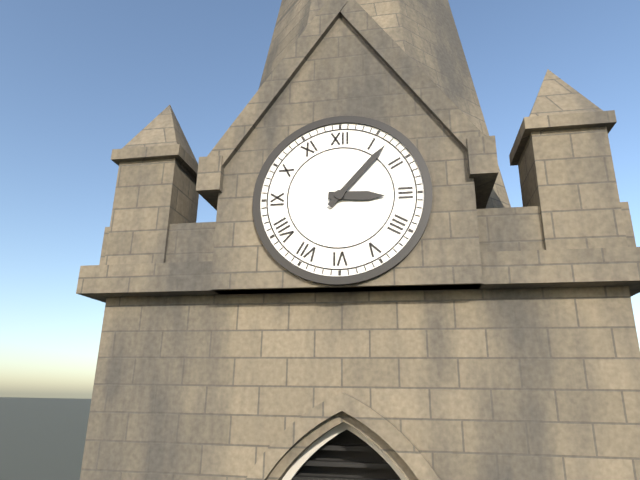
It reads 3h07
